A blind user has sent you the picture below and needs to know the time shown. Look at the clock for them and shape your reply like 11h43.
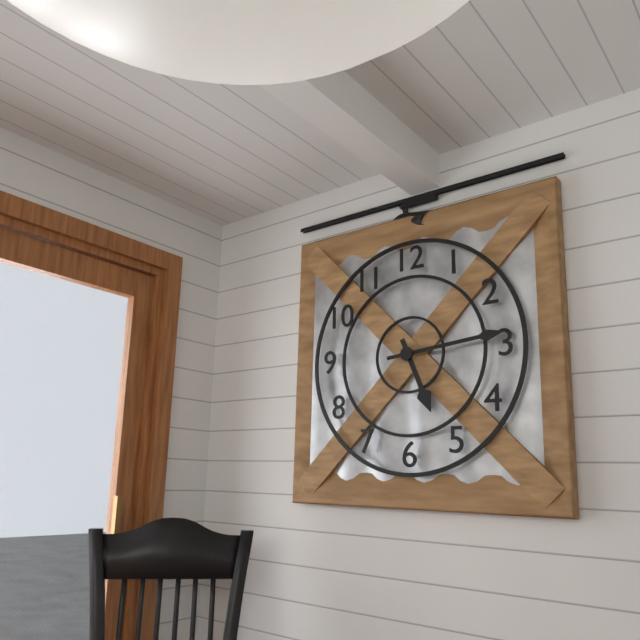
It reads 5h14
